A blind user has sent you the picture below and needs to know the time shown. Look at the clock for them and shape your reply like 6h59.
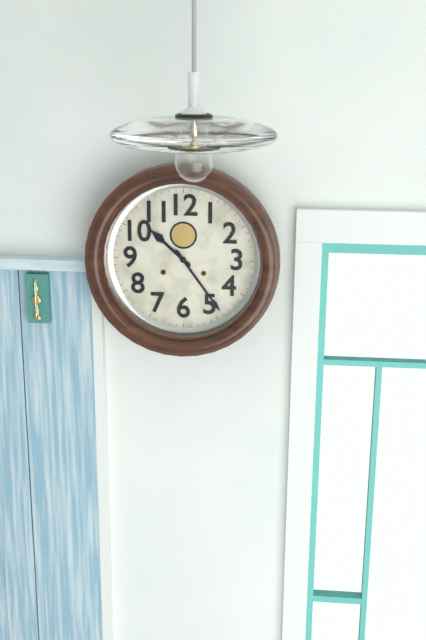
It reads 10h24
